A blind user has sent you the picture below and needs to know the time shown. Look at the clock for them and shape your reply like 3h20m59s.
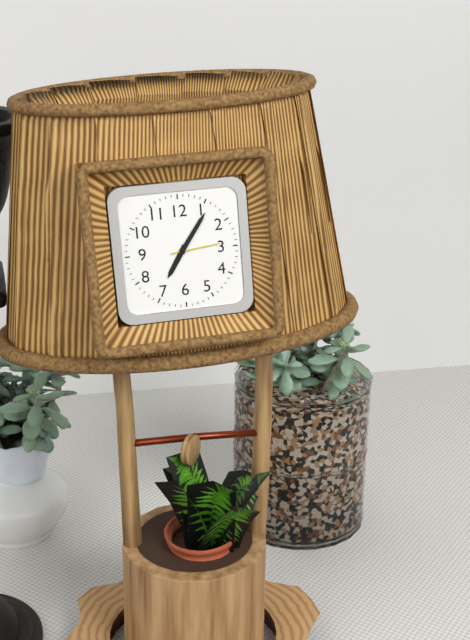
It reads 7h06m14s
